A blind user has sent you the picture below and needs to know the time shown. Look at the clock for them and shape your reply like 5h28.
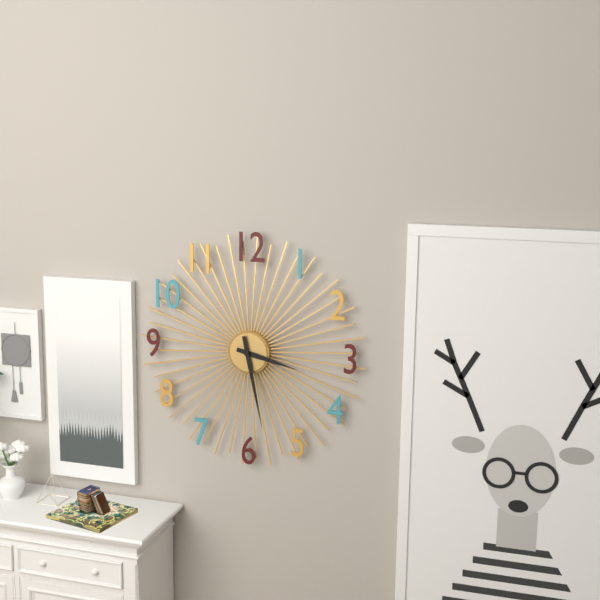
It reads 3h28
